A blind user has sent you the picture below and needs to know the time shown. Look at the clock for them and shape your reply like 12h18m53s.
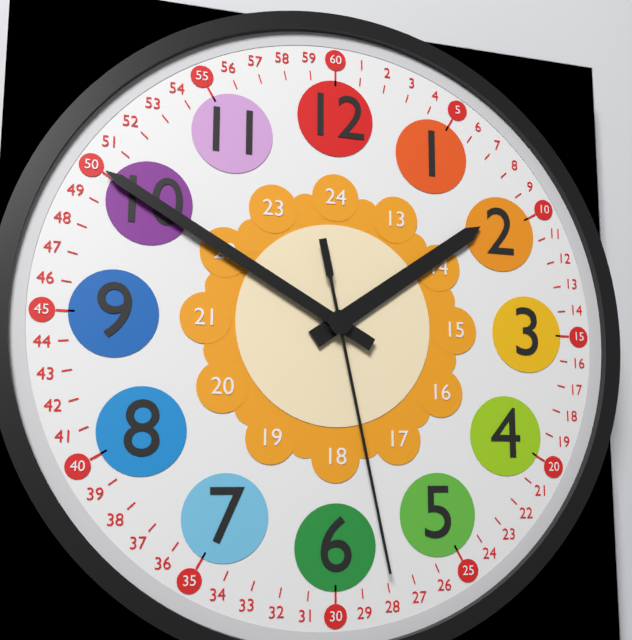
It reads 1h50m28s
